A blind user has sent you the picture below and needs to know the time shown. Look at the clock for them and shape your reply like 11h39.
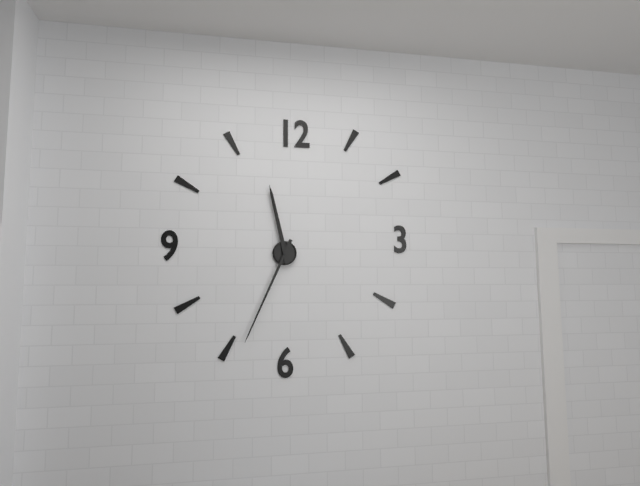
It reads 11h34
